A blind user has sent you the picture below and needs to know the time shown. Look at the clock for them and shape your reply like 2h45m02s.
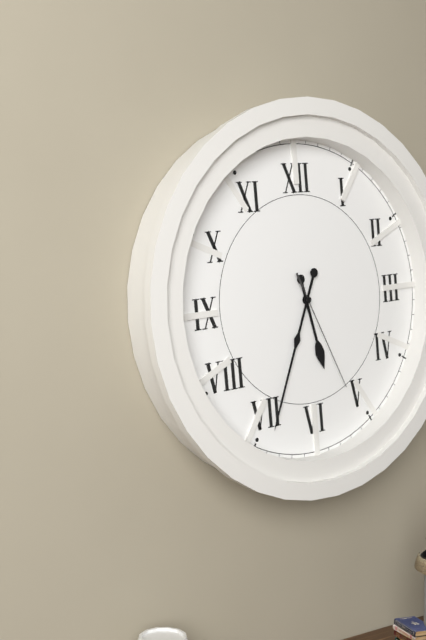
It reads 5h34m26s
